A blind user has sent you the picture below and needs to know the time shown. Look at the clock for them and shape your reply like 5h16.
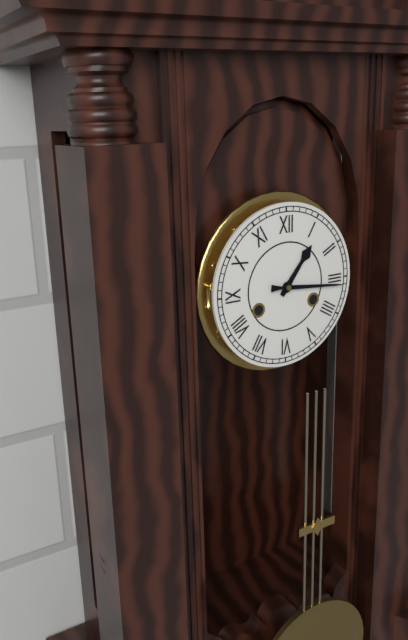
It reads 1h16
